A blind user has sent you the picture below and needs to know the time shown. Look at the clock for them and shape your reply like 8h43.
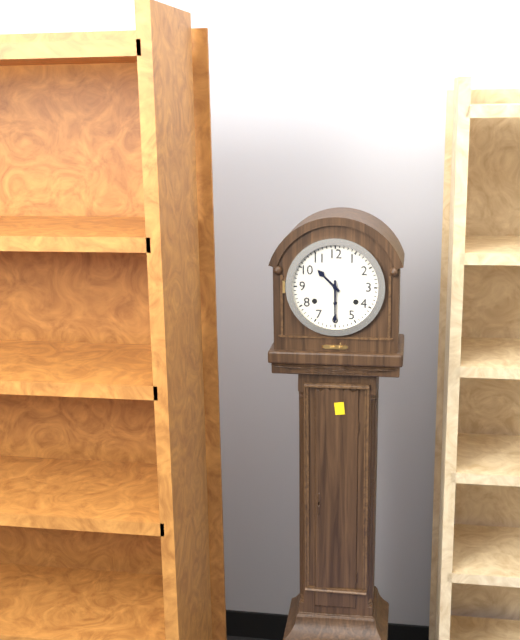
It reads 10h30
